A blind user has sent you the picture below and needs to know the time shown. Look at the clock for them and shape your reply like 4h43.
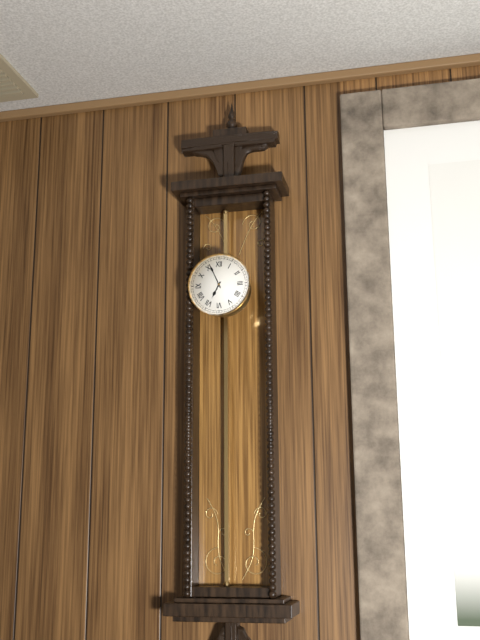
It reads 6h56
